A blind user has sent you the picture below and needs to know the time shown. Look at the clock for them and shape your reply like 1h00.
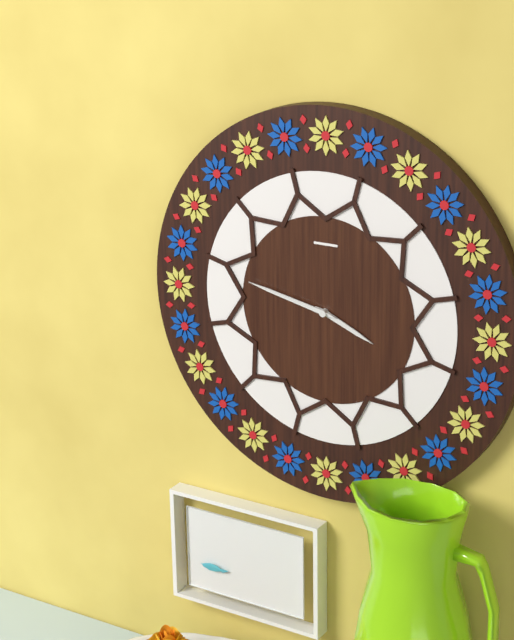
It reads 3h47
